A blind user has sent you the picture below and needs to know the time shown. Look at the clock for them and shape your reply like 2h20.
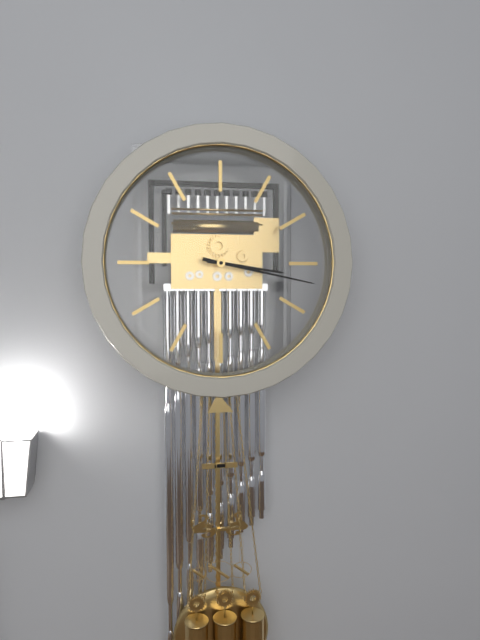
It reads 3h17
